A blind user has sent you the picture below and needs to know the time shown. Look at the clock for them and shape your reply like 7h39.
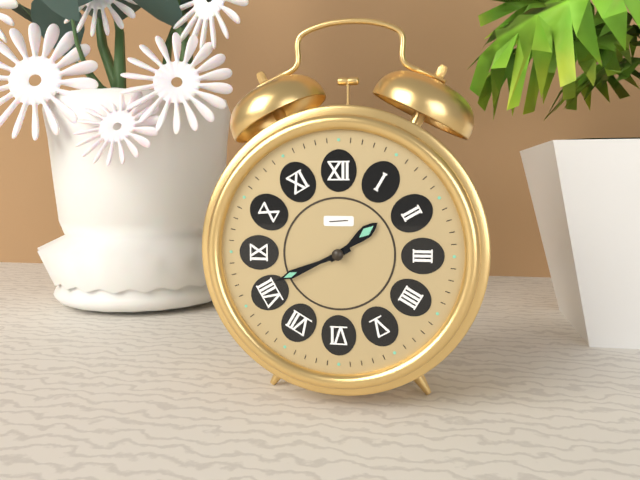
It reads 1h41
